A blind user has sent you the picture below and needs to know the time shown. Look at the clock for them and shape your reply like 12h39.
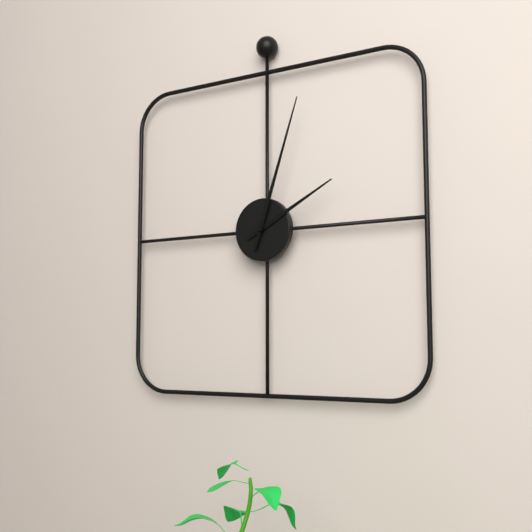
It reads 2h03
